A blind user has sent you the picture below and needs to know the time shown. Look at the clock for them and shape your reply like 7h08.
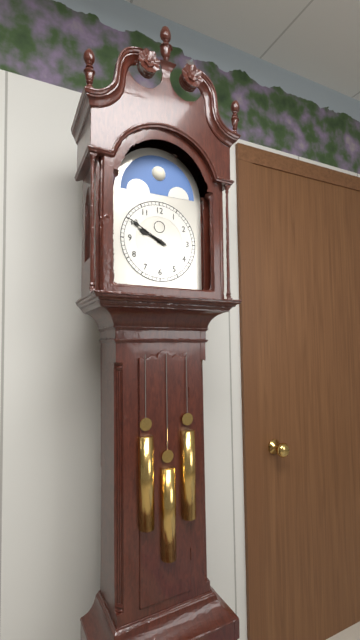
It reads 9h50
